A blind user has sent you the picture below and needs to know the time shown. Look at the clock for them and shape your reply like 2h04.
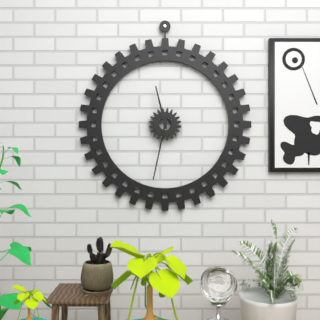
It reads 11h32
